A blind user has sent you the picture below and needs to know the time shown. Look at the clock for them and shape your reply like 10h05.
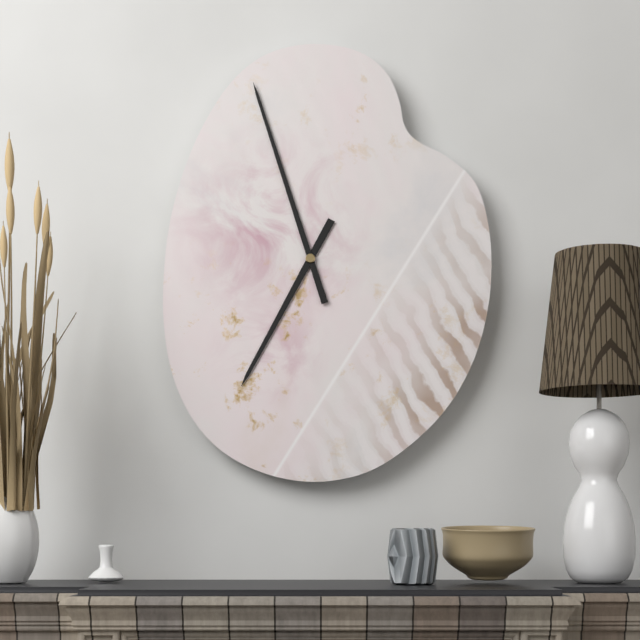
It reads 6h57
